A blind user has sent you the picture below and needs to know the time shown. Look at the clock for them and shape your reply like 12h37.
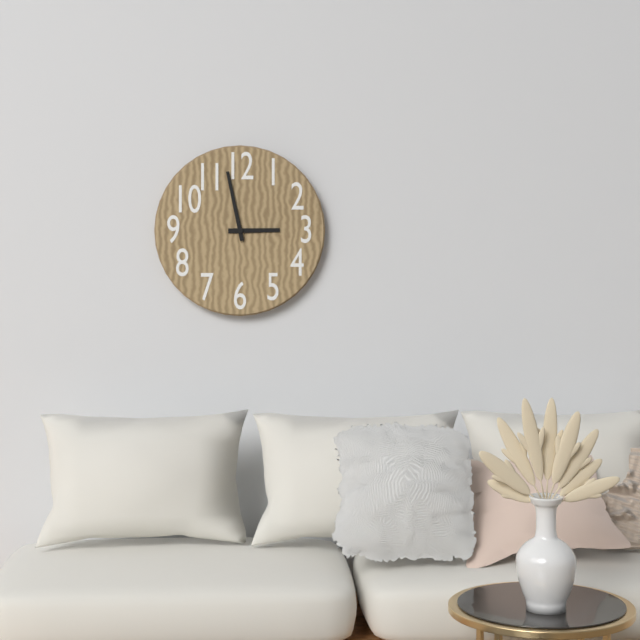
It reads 2h58
